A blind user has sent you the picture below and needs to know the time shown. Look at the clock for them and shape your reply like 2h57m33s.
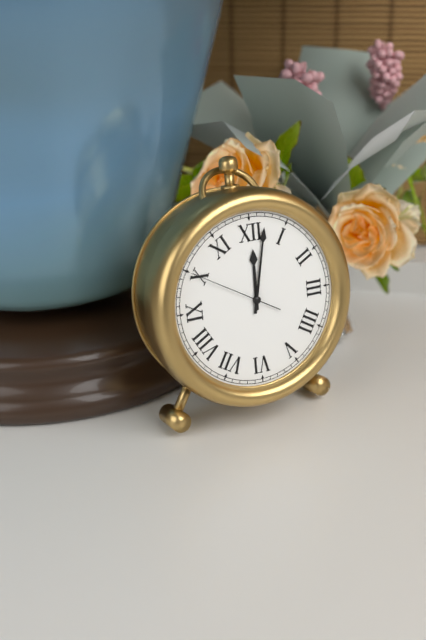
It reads 12h02m50s
